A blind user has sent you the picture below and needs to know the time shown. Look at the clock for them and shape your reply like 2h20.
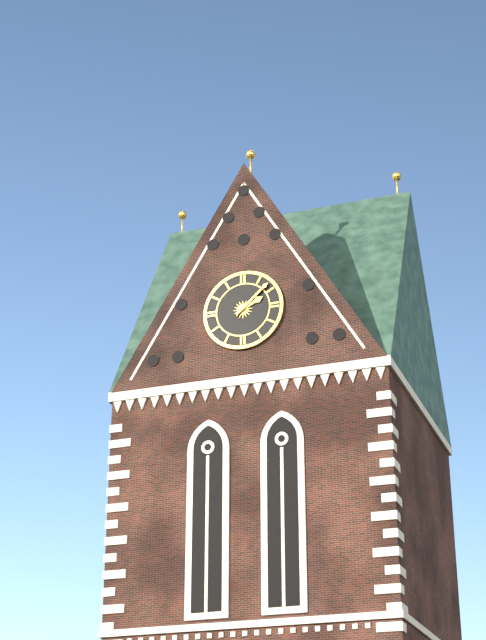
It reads 2h08
